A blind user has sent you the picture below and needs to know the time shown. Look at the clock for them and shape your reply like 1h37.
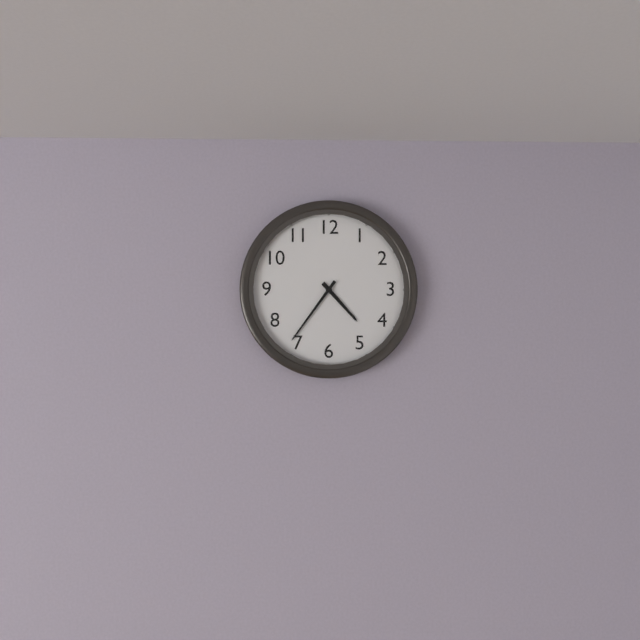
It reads 4h36
